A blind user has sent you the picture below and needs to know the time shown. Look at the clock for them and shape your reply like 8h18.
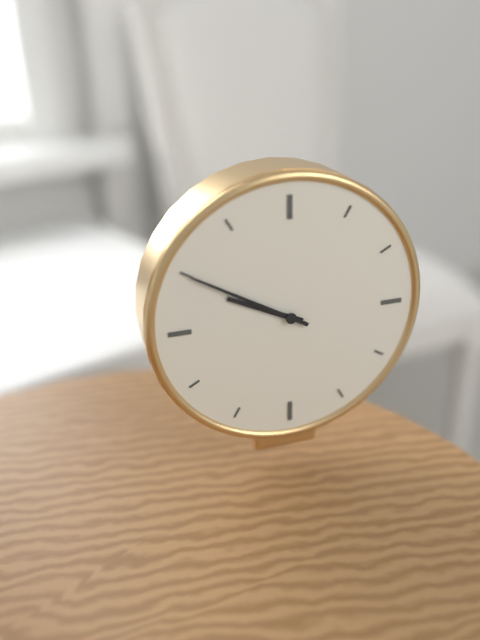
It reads 9h50
